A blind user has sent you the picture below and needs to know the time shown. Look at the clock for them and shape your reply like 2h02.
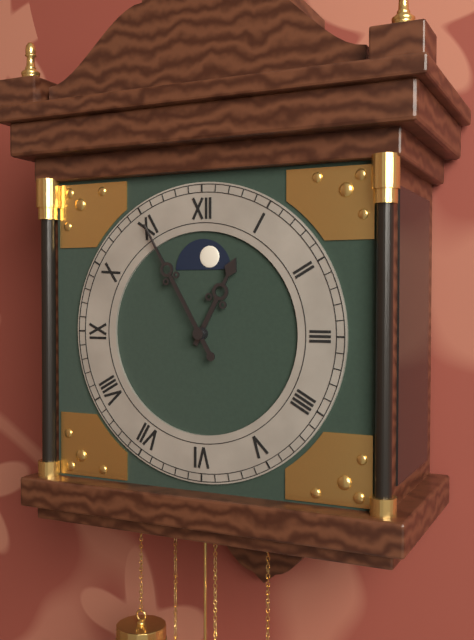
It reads 12h55
